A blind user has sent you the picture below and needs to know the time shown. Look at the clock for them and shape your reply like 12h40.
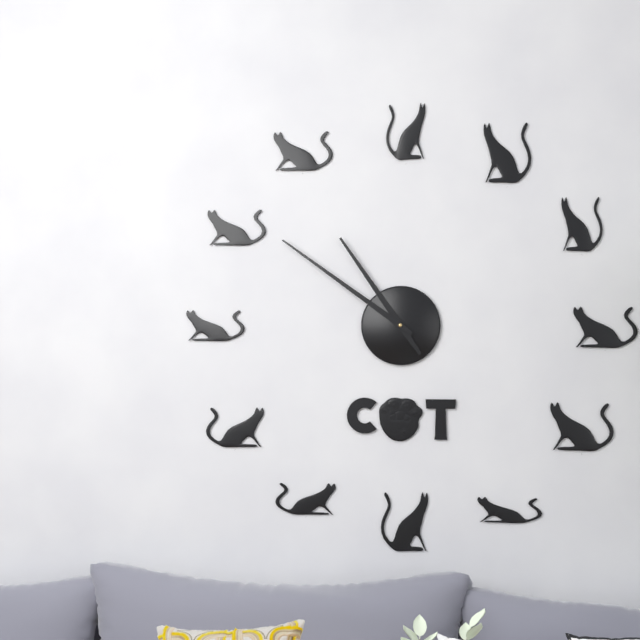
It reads 10h51
